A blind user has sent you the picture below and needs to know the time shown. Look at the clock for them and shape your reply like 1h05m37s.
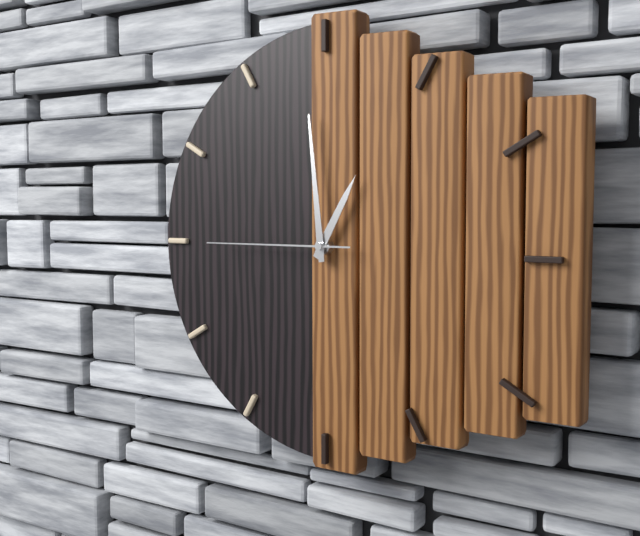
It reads 12h59m45s
